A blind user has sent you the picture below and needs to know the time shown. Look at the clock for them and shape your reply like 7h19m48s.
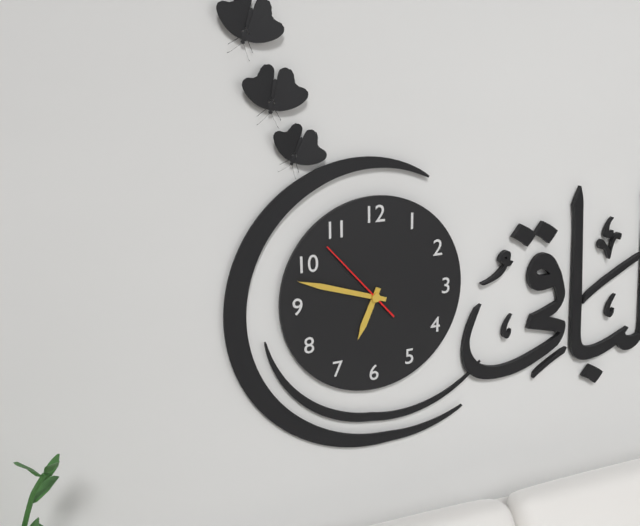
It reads 6h48m53s
